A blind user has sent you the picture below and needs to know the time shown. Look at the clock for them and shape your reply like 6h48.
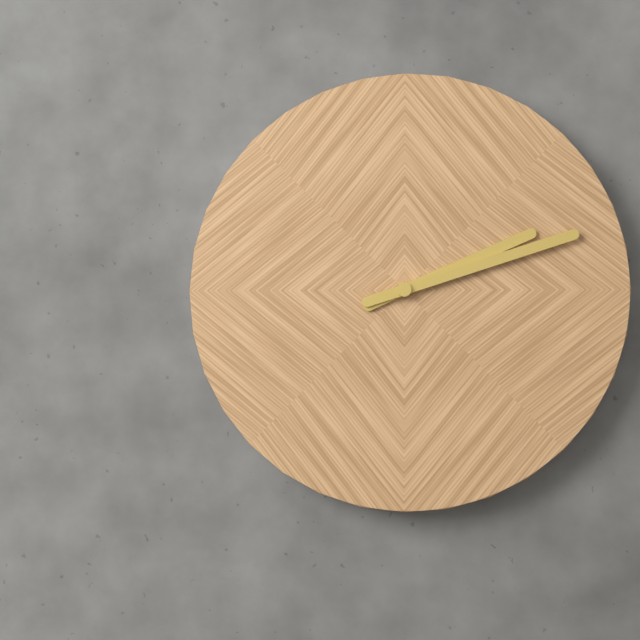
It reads 2h12
